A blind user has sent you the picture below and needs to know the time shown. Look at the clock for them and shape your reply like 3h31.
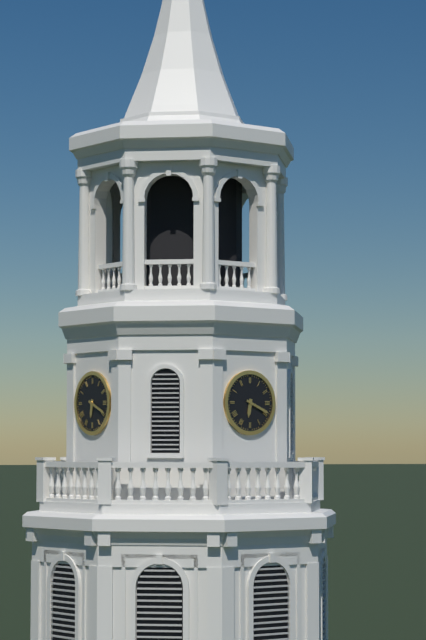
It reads 6h19
